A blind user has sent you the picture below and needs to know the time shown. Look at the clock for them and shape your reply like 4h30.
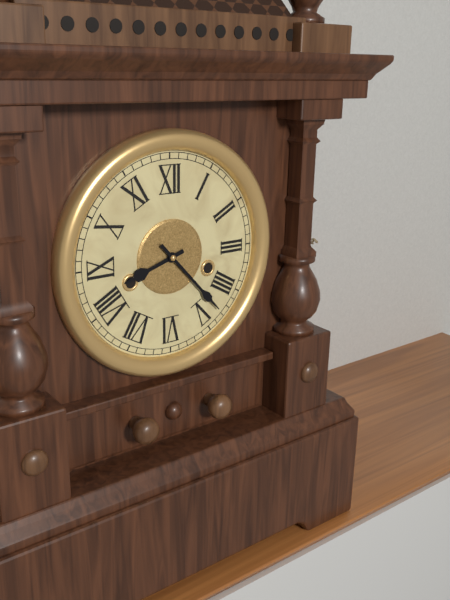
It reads 8h23
